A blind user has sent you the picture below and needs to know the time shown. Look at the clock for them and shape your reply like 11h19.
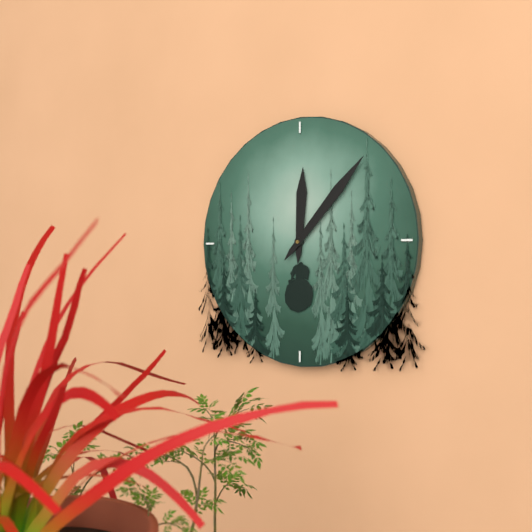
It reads 12h07
